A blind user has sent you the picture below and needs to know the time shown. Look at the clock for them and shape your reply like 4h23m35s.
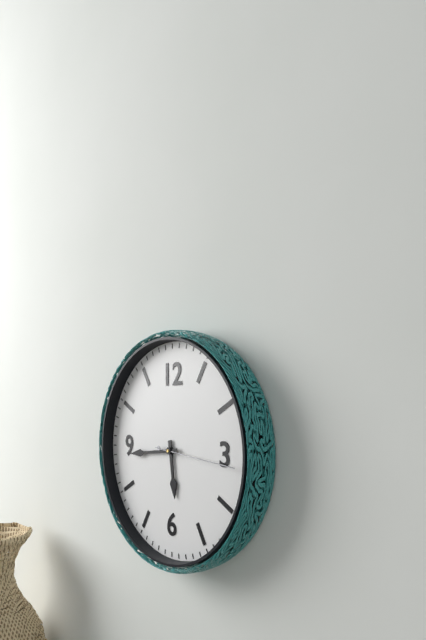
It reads 5h44m16s
